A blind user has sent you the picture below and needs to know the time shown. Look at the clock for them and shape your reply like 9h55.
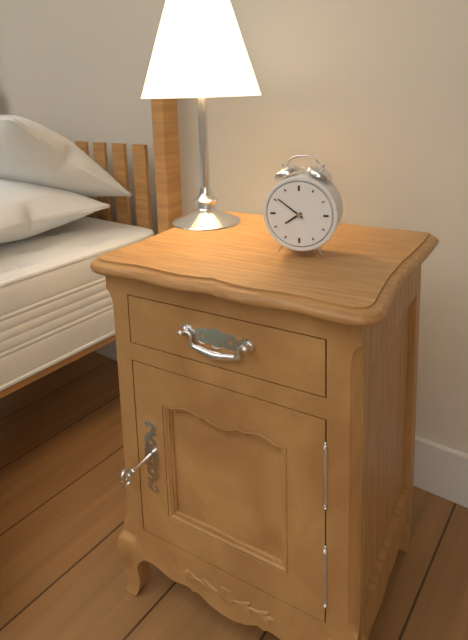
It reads 7h51
